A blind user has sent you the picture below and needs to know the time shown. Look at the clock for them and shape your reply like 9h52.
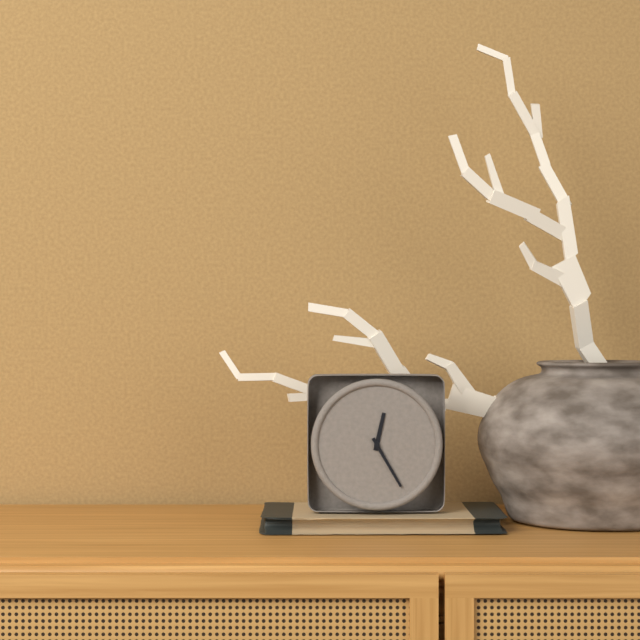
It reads 12h25
